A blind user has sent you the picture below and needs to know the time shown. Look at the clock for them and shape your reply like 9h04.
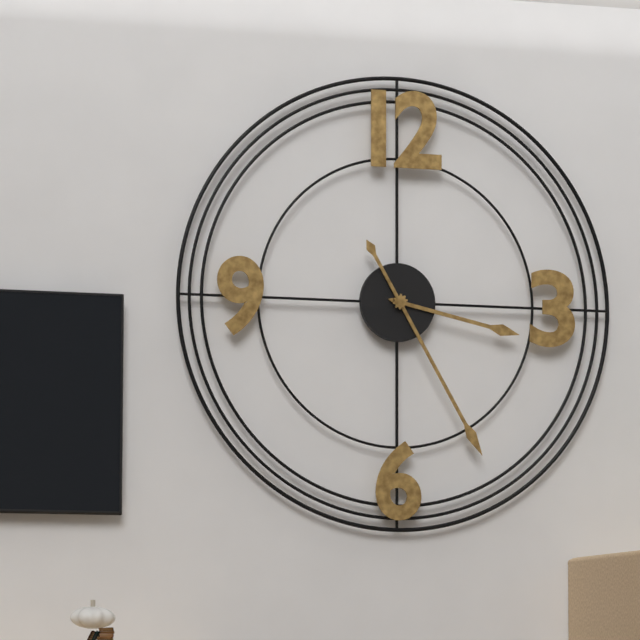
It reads 3h25
